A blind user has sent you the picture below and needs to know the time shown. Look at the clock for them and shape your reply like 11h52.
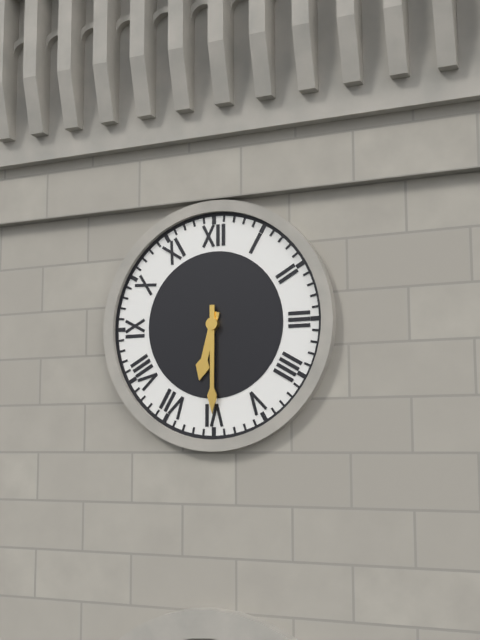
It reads 6h30
